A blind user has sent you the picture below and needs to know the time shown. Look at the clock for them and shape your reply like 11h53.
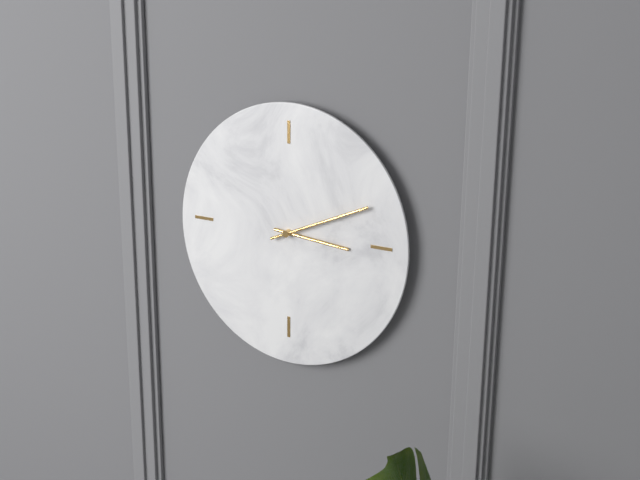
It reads 3h11
